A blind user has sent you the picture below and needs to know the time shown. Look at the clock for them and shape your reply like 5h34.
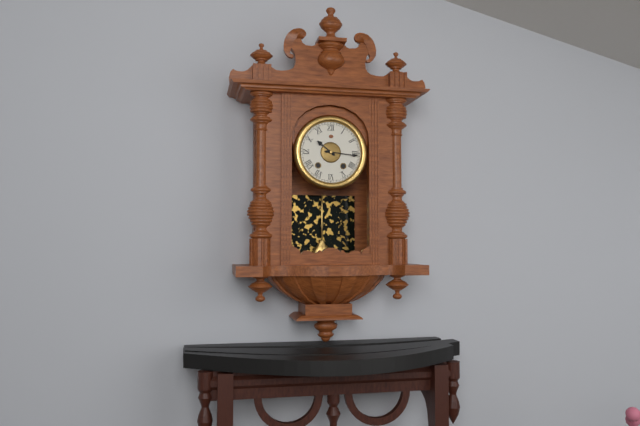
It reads 10h16
